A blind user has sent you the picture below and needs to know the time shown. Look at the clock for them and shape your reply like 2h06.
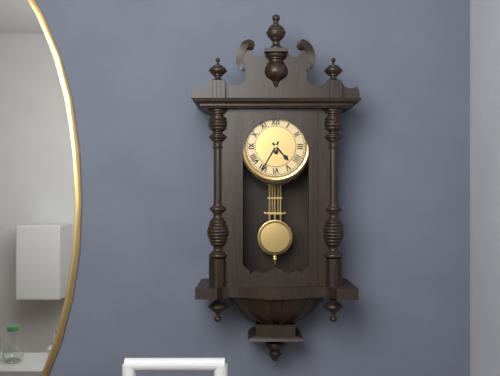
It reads 4h35
